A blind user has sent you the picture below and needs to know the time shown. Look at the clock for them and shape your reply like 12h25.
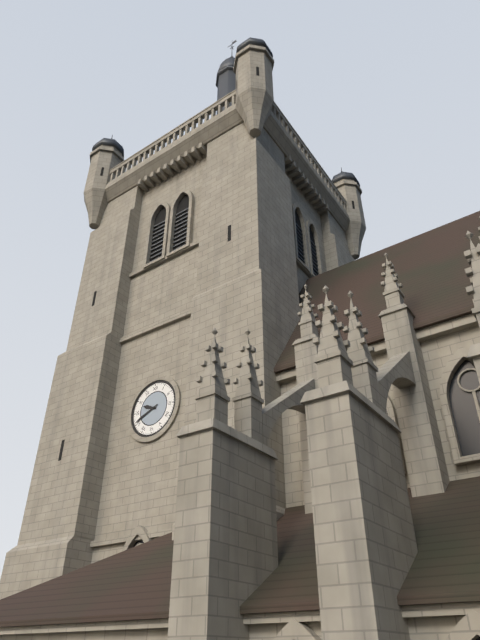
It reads 9h41
